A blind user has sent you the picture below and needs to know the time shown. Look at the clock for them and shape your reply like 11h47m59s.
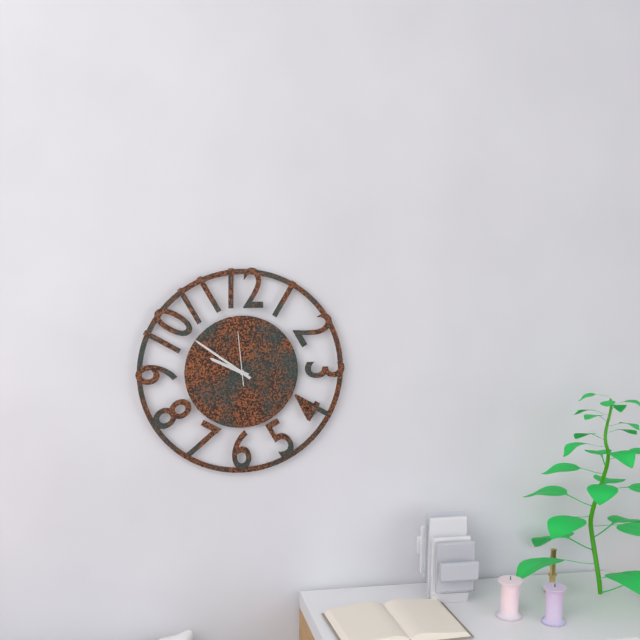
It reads 9h51m59s
